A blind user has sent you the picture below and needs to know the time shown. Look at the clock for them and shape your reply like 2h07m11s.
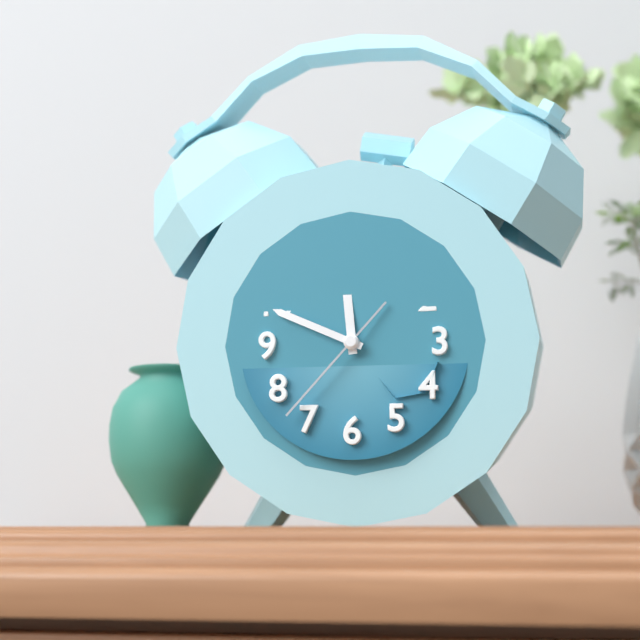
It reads 11h49m37s
